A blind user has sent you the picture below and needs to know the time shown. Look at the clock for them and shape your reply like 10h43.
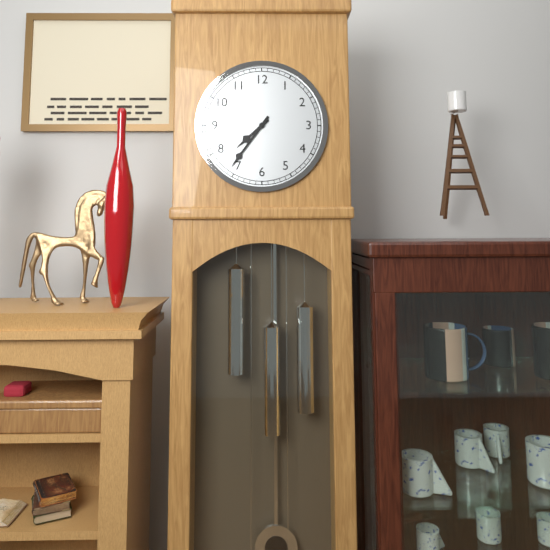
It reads 7h36
